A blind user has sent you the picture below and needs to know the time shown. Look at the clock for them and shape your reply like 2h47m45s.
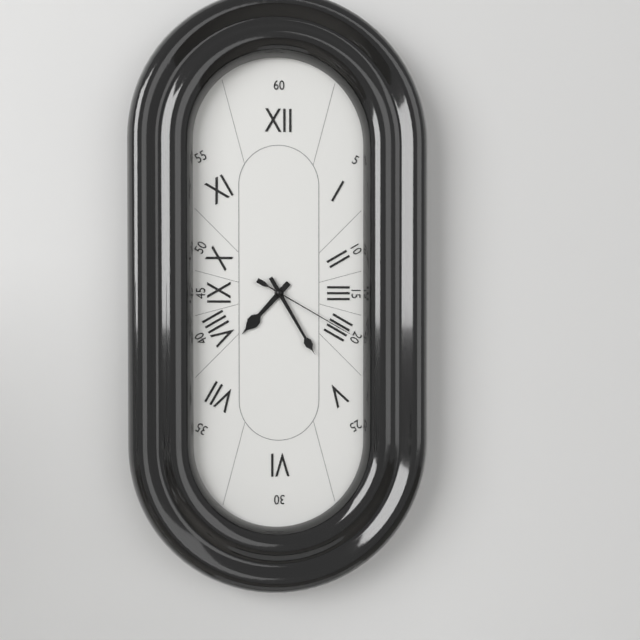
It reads 7h25m20s
